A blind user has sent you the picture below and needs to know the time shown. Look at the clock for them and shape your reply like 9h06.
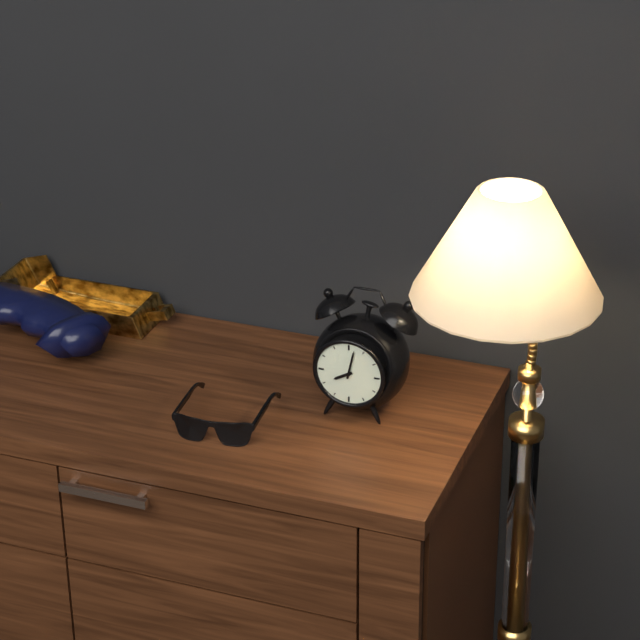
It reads 8h02
